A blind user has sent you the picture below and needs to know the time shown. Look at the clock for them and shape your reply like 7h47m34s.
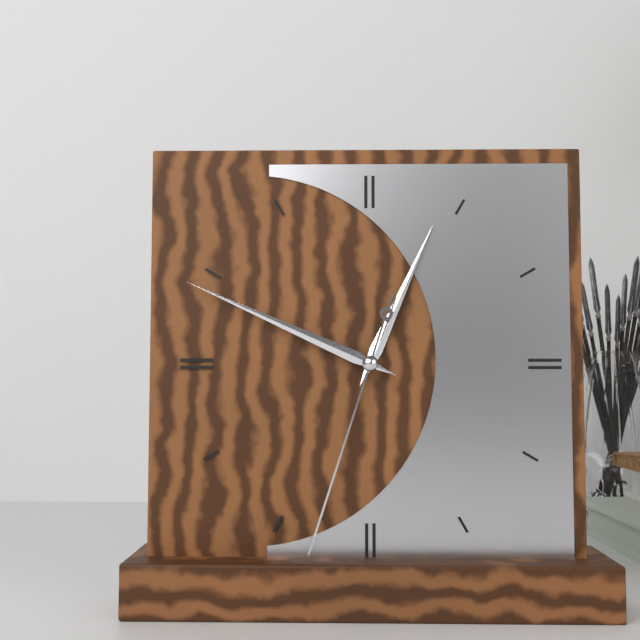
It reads 12h49m33s
